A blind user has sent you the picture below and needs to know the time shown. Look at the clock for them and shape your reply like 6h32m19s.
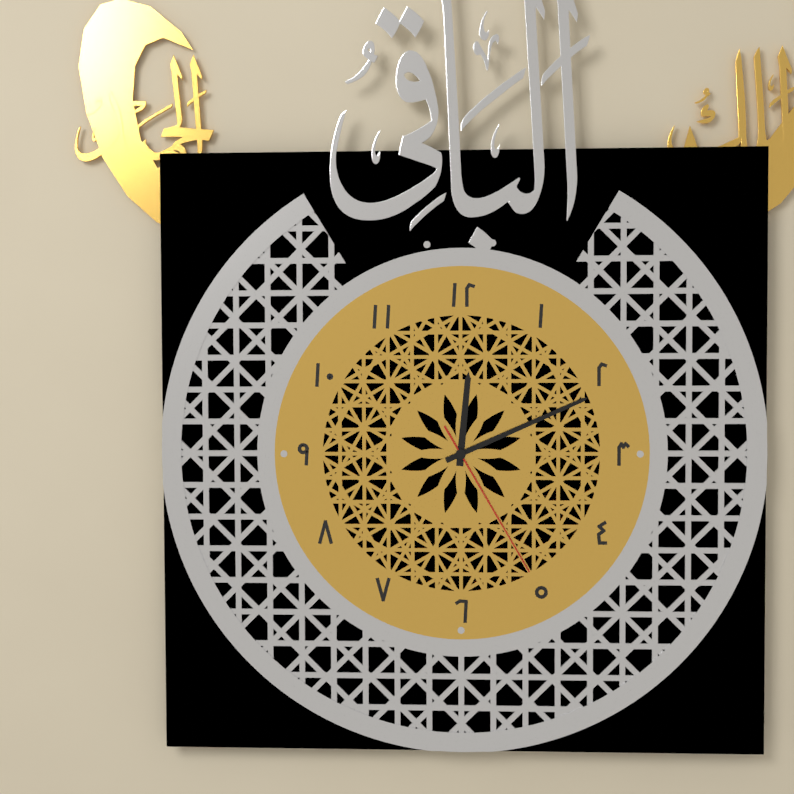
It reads 12h11m25s
